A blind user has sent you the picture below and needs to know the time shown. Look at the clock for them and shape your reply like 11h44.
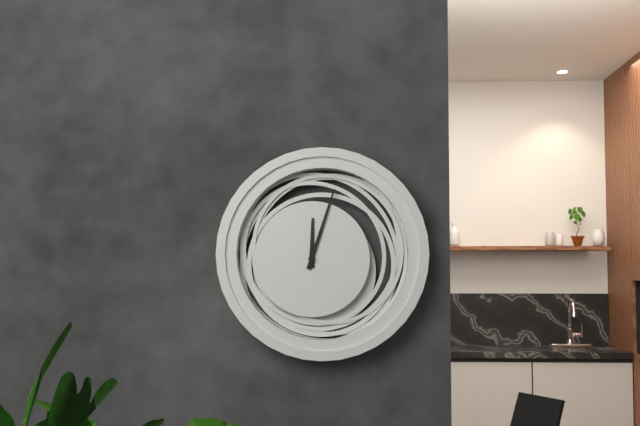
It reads 12h03
